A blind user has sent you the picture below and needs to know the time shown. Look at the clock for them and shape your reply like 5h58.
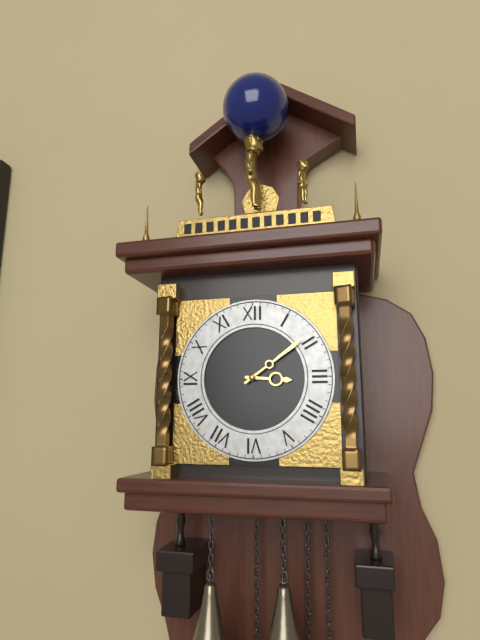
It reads 3h09
